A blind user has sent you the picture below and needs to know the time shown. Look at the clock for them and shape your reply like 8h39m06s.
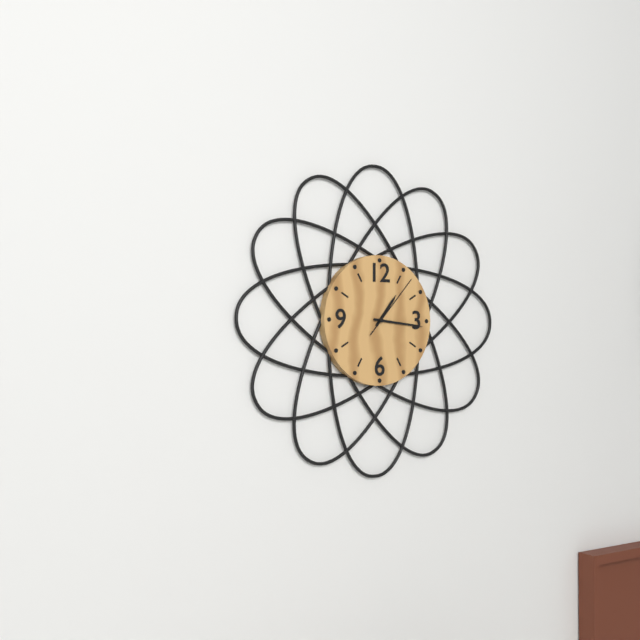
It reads 1h16m07s
